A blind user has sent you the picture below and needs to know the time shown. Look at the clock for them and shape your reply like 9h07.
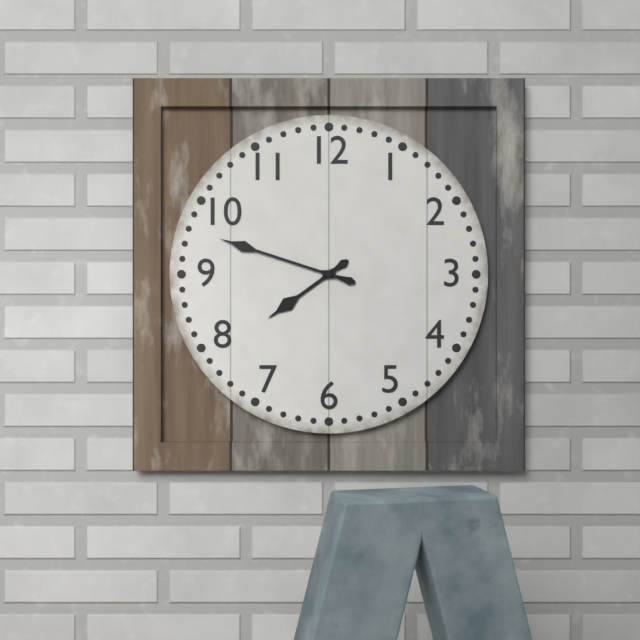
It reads 7h48
